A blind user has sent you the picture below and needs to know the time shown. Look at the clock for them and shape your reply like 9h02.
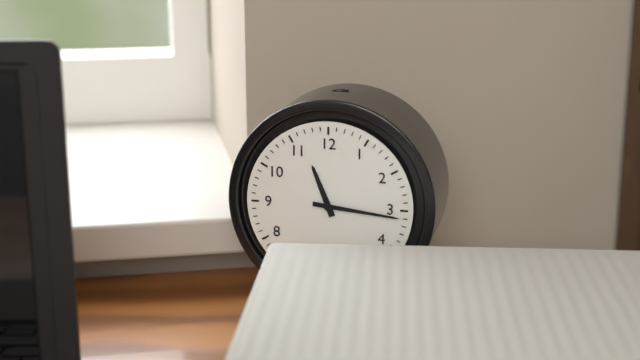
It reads 11h16
